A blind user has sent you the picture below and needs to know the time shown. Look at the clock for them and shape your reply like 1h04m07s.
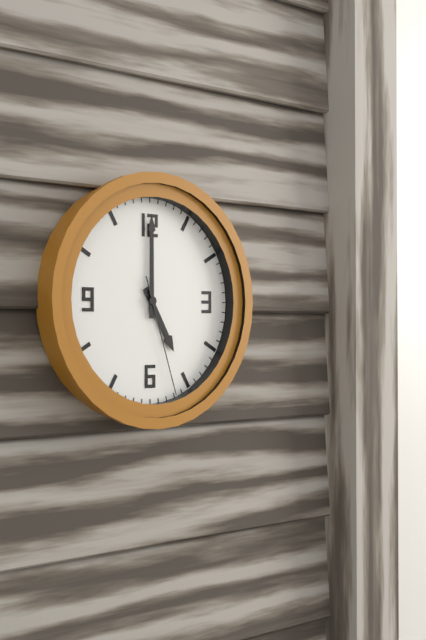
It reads 5h00m27s
